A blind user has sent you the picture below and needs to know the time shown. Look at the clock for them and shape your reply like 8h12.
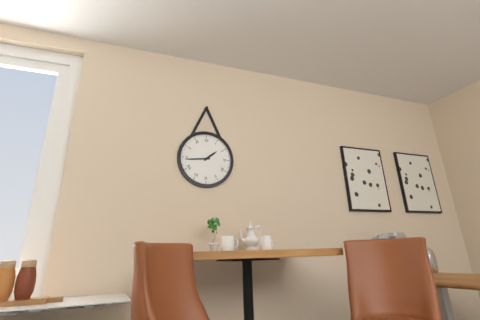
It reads 1h44
